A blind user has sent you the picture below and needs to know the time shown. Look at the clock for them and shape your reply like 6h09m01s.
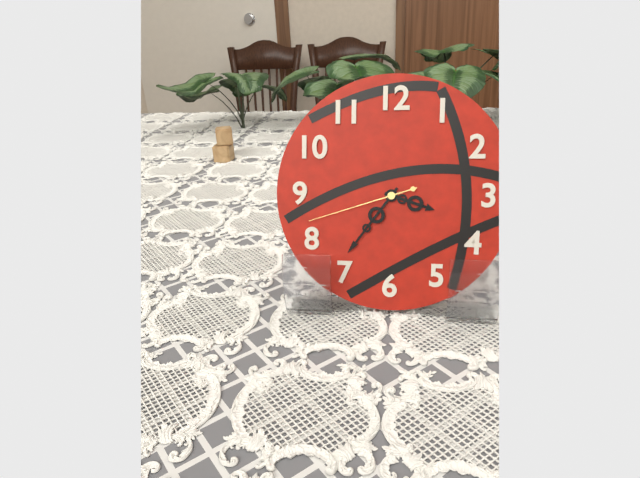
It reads 3h36m42s
